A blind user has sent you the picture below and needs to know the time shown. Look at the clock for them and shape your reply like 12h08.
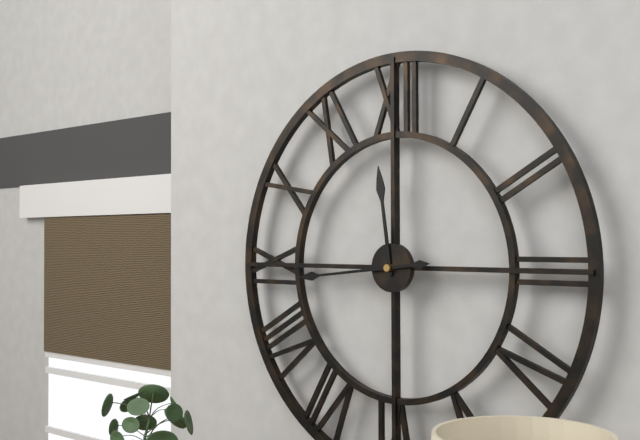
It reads 11h44
